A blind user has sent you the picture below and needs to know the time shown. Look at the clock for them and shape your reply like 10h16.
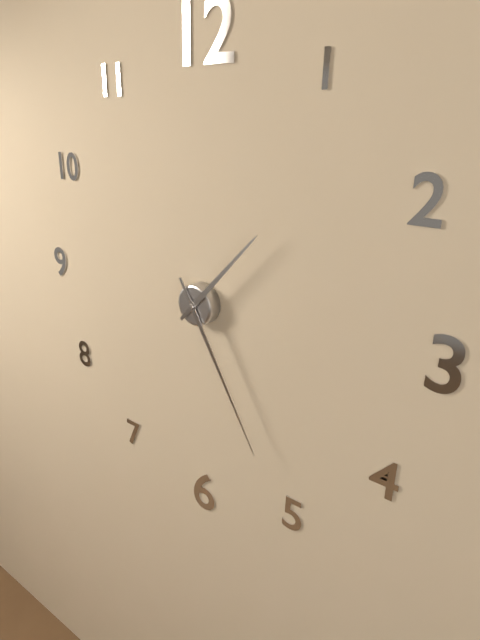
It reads 1h25
